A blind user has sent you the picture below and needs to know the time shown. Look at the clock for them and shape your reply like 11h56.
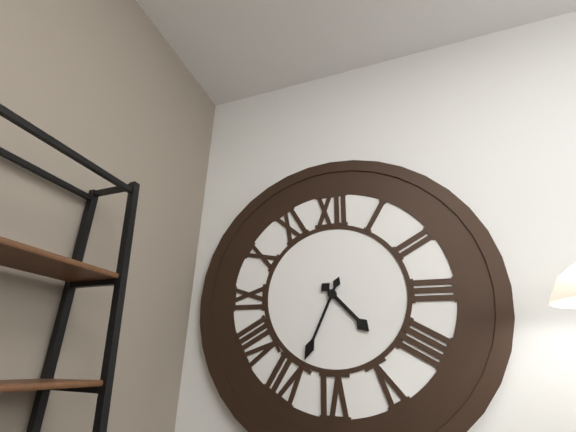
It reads 4h34
